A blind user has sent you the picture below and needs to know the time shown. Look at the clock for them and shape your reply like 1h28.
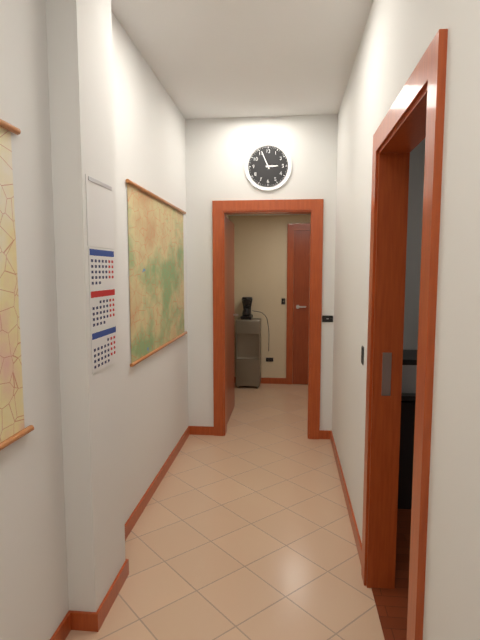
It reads 2h56
